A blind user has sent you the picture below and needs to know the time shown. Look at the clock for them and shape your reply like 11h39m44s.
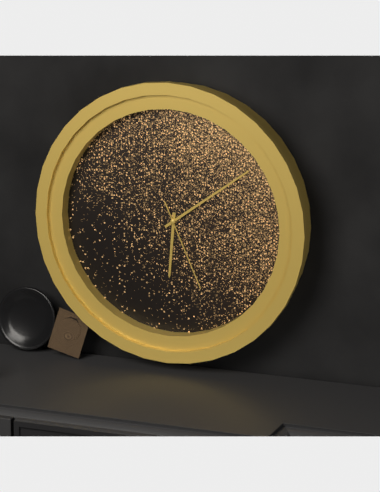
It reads 6h09m26s
